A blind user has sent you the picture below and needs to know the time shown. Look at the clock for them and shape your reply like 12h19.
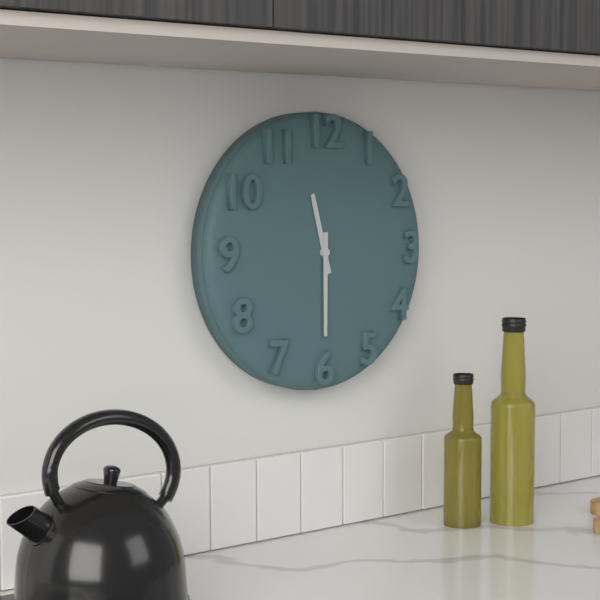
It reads 11h30
